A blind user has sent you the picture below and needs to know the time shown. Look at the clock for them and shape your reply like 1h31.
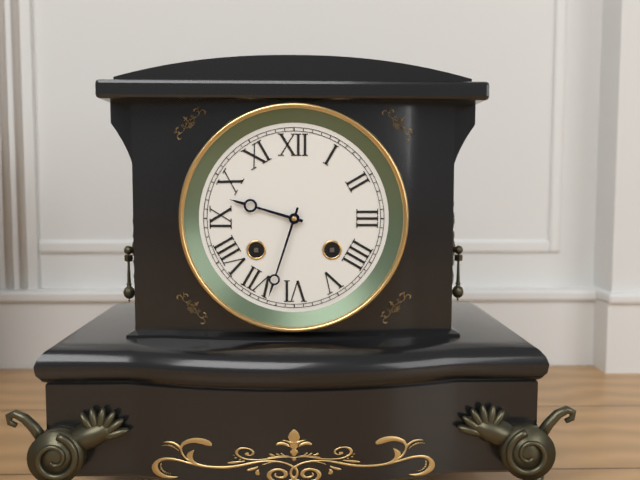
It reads 9h33
